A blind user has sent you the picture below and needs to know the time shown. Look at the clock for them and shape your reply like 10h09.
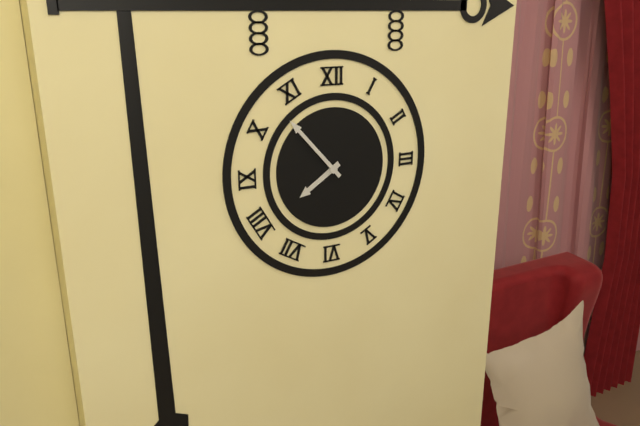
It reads 7h53
